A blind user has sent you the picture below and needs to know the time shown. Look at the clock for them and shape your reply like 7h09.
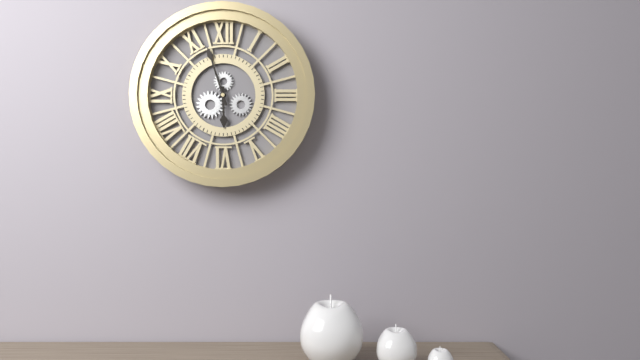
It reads 5h57
